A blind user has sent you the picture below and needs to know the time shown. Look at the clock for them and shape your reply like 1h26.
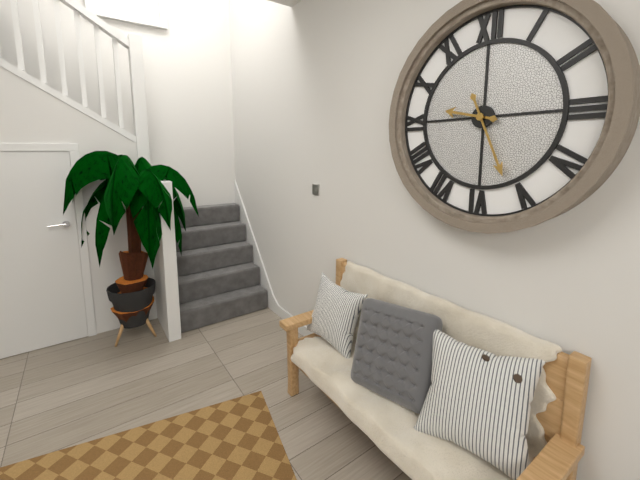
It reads 9h26
